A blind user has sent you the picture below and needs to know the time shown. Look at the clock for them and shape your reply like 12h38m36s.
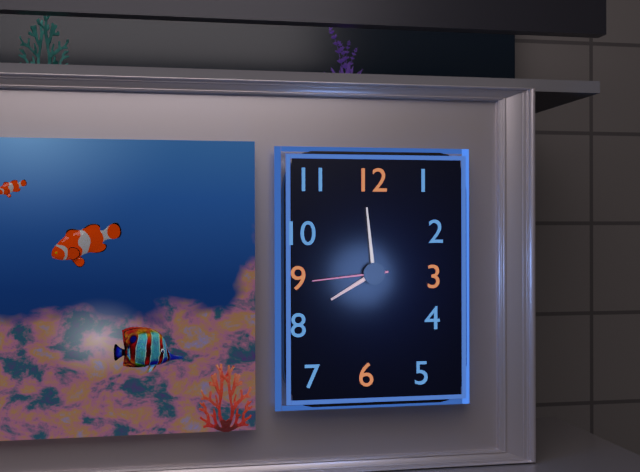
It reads 7h59m44s
